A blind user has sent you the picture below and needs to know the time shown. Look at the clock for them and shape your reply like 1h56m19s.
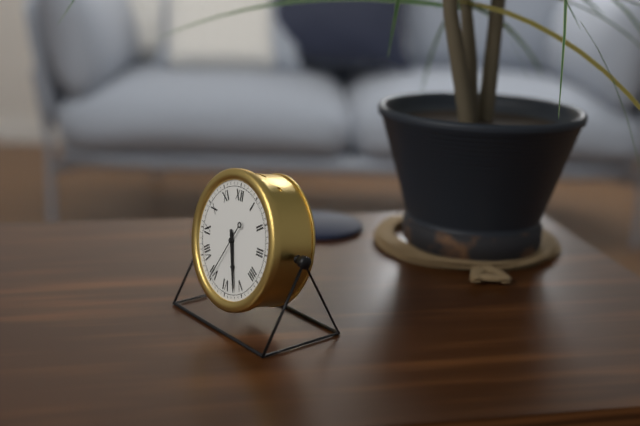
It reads 5h27m35s
